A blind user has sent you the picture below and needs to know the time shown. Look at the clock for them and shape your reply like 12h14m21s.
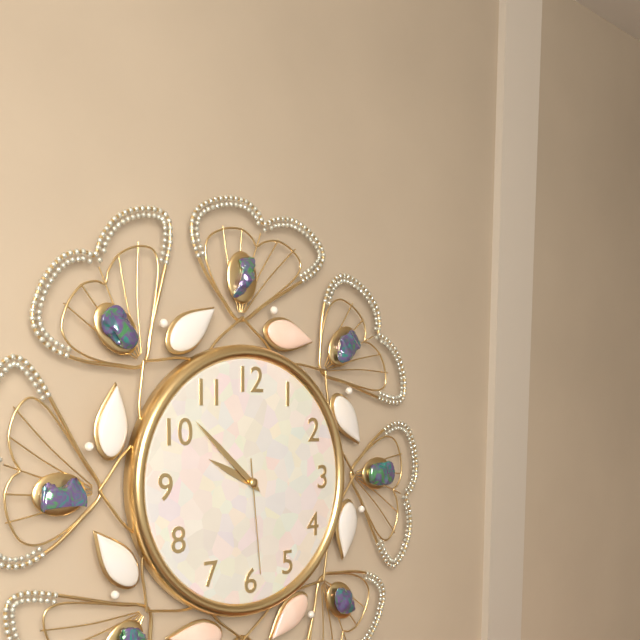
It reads 9h52m29s
